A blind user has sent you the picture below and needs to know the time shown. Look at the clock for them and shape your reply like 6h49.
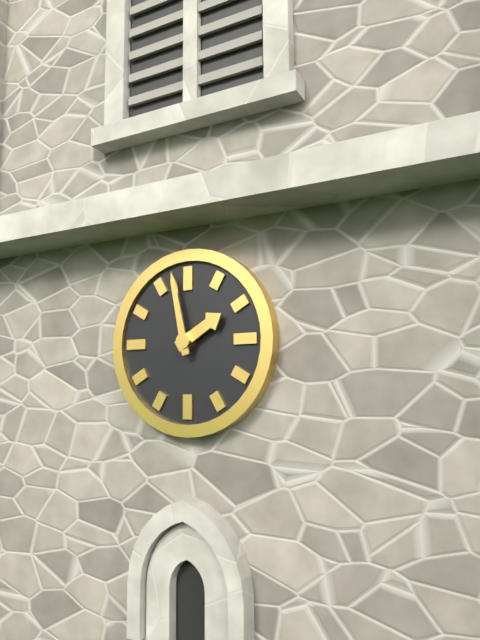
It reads 1h58
